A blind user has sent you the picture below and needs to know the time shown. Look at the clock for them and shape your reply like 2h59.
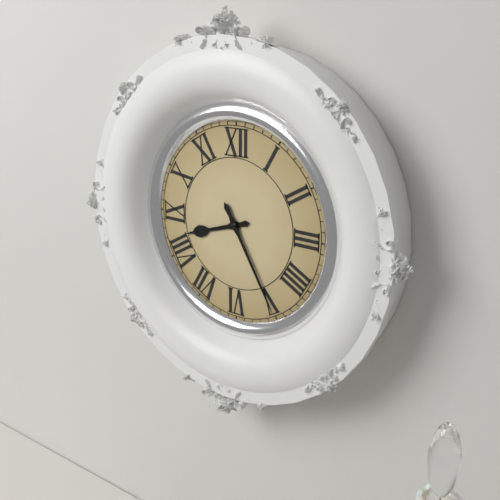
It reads 8h25
